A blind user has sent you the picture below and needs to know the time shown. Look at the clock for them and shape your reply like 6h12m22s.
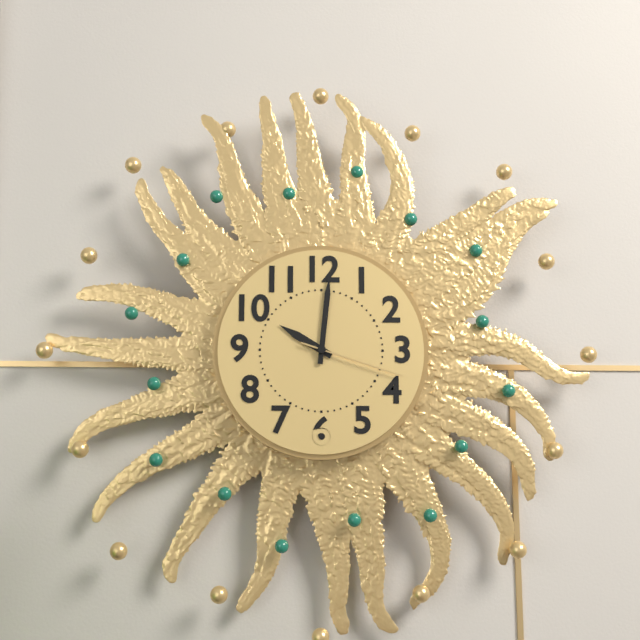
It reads 10h01m18s
